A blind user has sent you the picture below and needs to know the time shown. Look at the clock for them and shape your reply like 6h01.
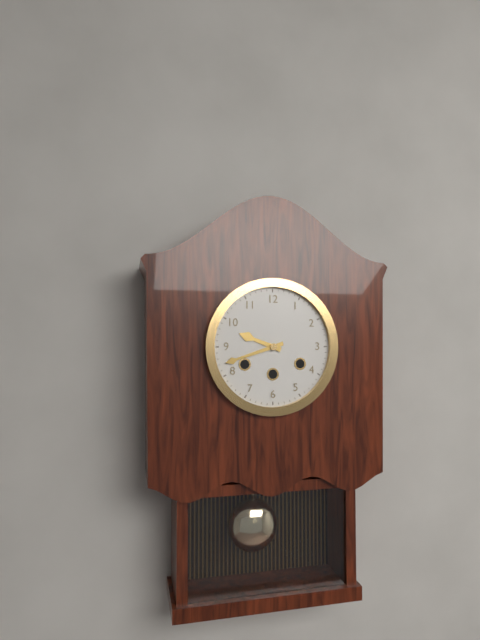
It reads 9h42
